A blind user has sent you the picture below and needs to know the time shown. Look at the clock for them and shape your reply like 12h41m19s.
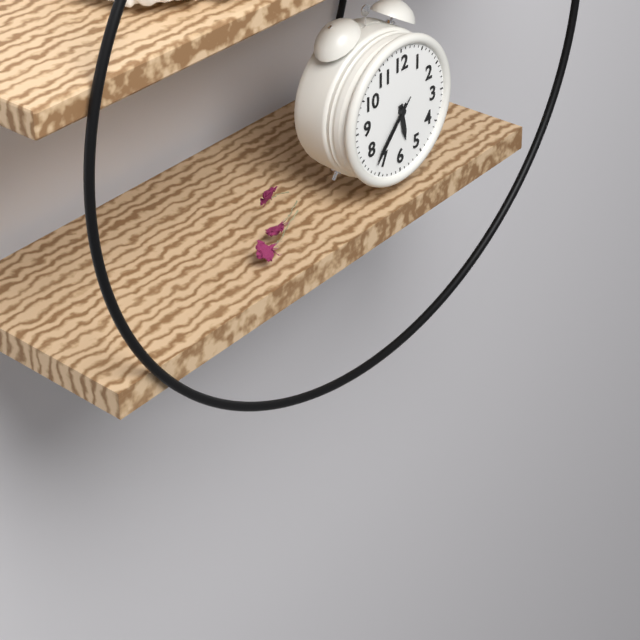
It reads 5h37m37s
